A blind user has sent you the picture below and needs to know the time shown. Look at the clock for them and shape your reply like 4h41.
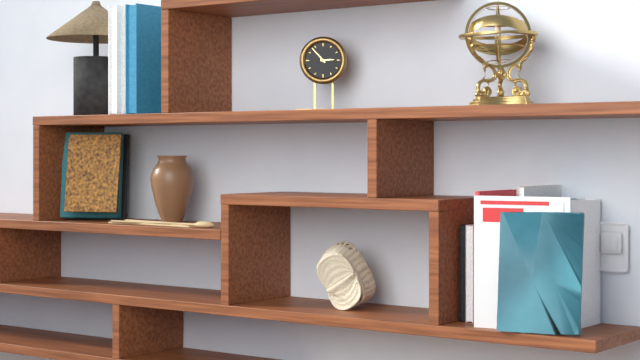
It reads 2h53
